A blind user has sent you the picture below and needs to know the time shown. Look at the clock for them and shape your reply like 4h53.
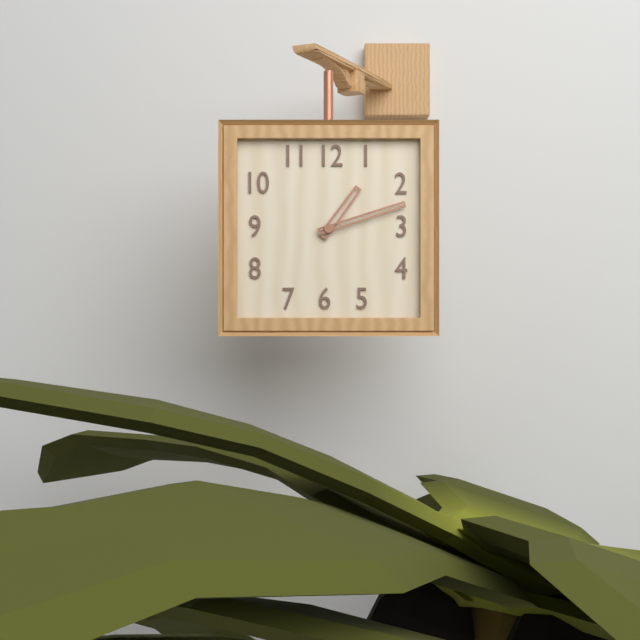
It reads 1h12
